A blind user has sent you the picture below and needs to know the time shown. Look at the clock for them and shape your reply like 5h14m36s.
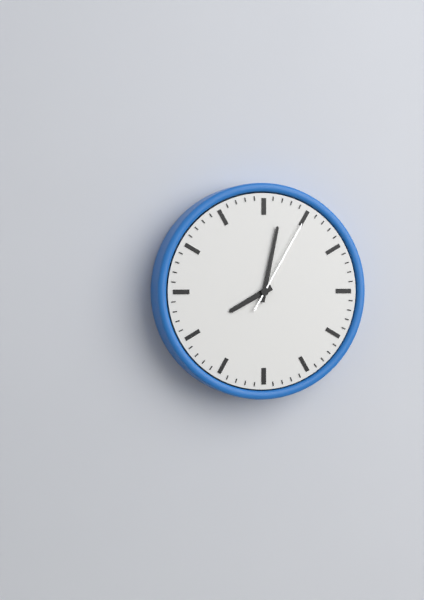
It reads 8h02m05s
